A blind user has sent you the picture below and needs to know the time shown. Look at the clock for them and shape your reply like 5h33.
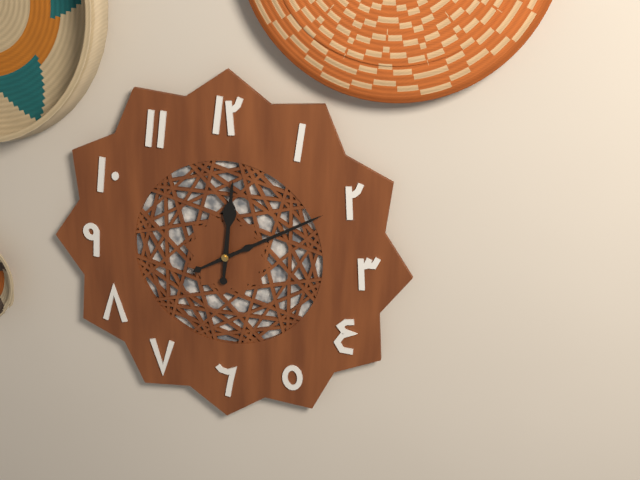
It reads 12h10
